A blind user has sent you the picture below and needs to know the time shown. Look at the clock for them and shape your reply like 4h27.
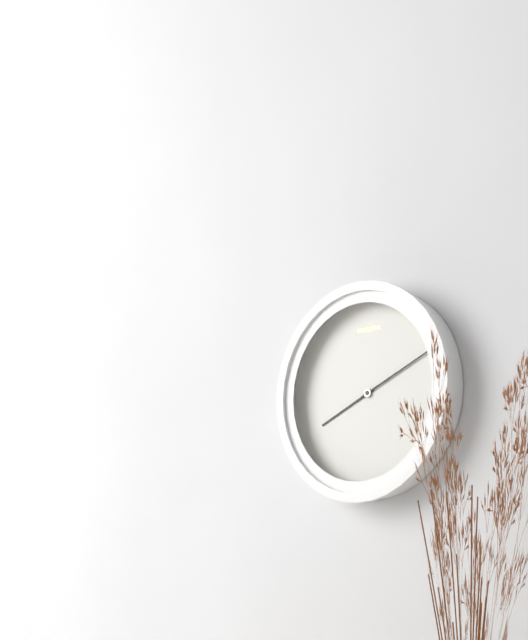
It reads 8h11
